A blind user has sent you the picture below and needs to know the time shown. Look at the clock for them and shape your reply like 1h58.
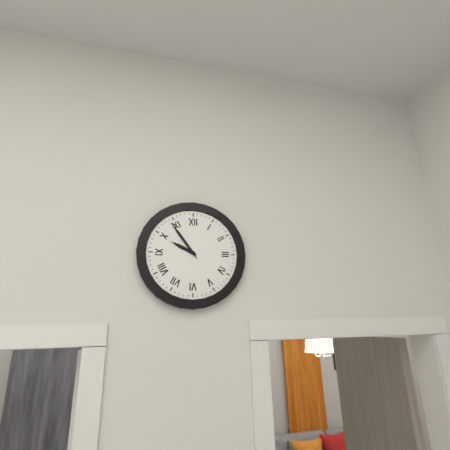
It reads 9h54
